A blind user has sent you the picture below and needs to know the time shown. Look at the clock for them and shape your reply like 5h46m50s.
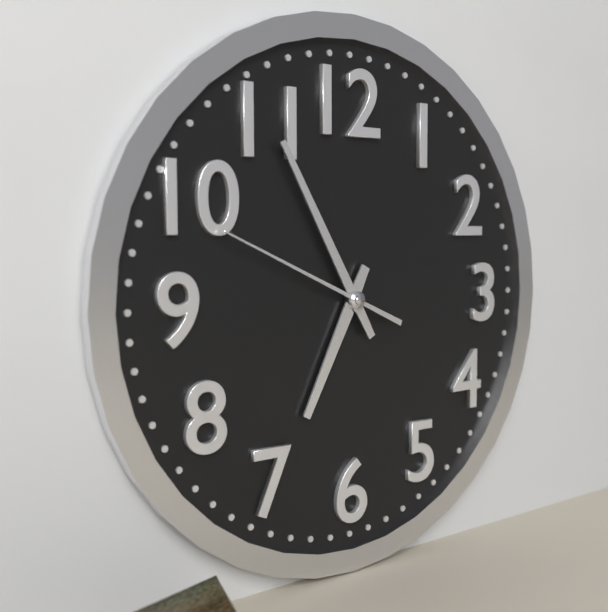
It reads 6h55m49s
